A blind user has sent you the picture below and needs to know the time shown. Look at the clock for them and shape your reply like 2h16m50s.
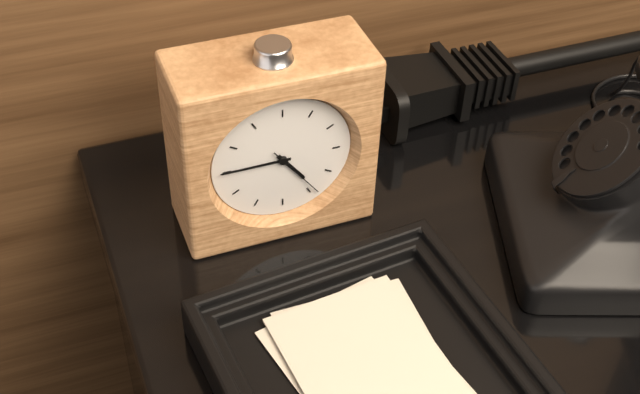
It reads 4h45m24s
